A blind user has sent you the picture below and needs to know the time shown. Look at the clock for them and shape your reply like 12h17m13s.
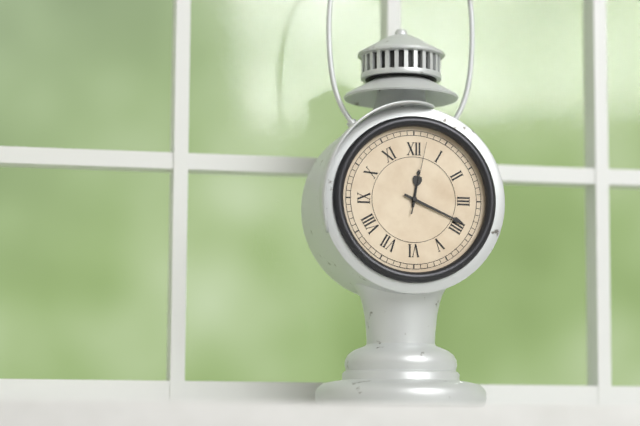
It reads 12h19m02s
